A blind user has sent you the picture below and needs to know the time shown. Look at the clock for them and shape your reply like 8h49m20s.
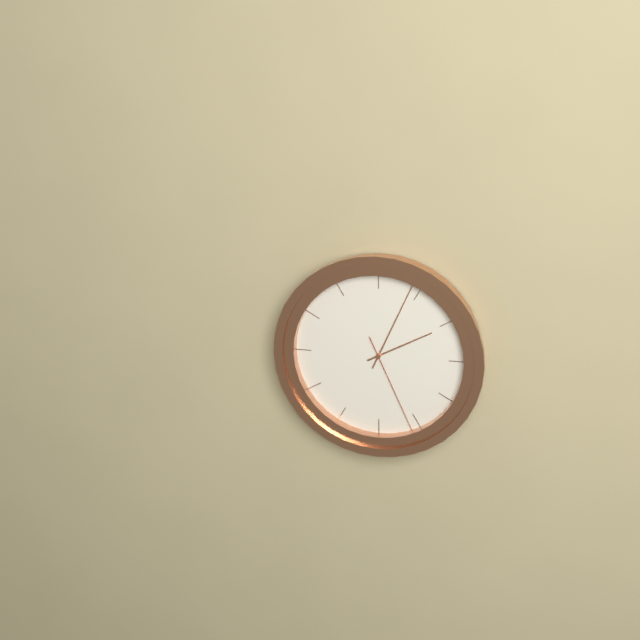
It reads 2h04m26s
